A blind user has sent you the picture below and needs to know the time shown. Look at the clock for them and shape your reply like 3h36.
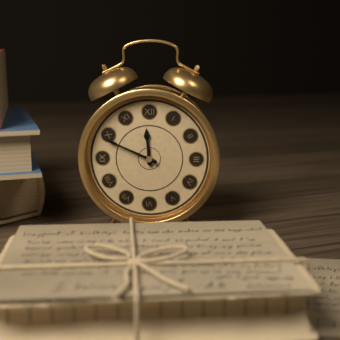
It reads 11h49
